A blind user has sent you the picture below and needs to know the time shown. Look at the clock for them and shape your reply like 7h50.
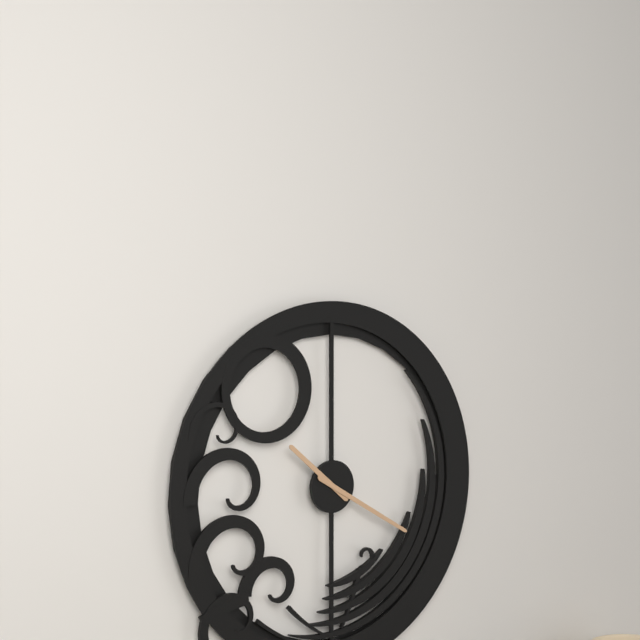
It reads 10h20
